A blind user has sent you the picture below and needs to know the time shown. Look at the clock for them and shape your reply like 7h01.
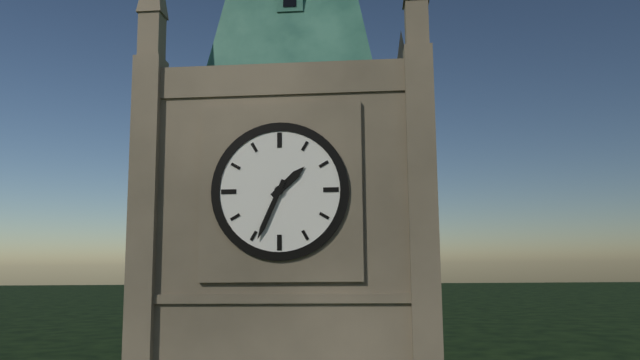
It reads 1h34
